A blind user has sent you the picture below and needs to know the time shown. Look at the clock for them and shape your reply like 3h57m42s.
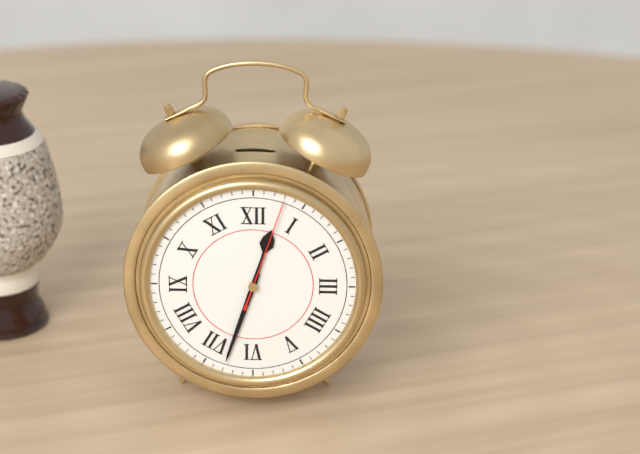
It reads 12h33m03s
